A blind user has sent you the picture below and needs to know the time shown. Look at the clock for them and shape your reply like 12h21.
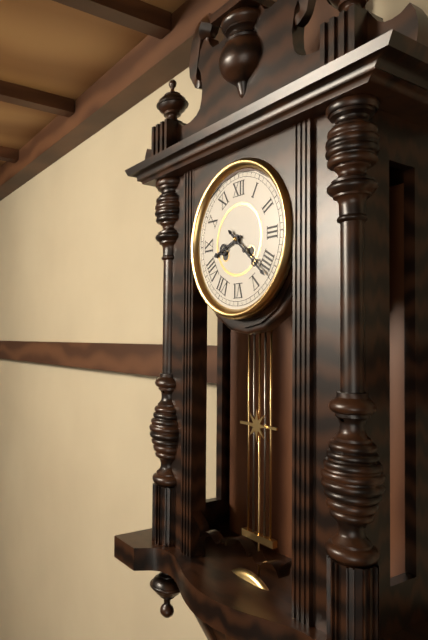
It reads 8h22
